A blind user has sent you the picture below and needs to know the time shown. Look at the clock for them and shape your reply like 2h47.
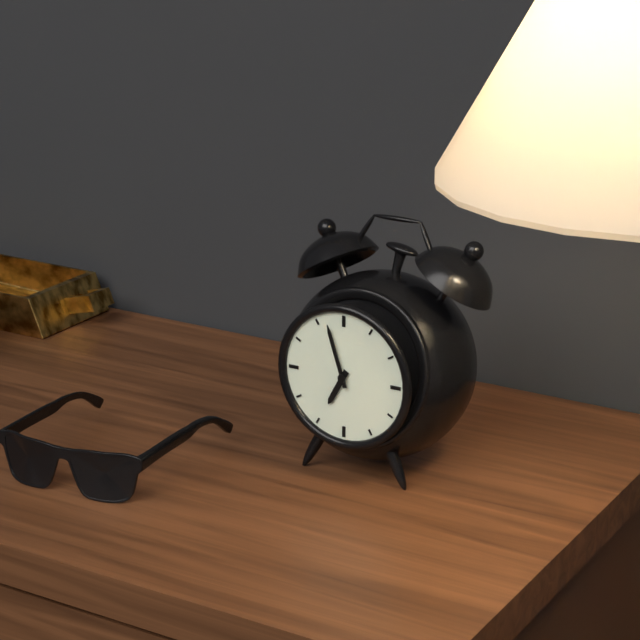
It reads 6h57
